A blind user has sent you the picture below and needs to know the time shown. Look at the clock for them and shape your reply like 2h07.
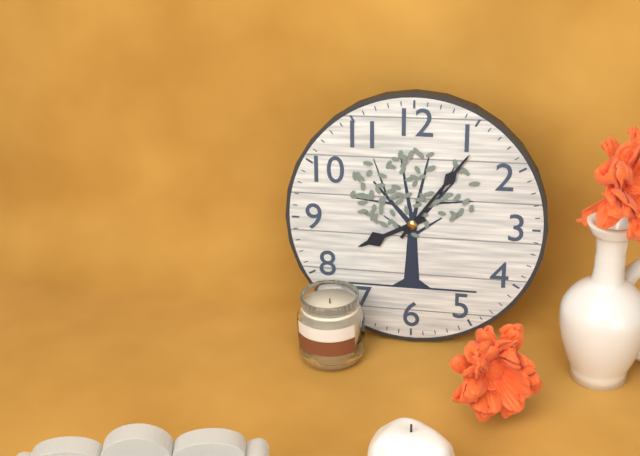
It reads 8h06
